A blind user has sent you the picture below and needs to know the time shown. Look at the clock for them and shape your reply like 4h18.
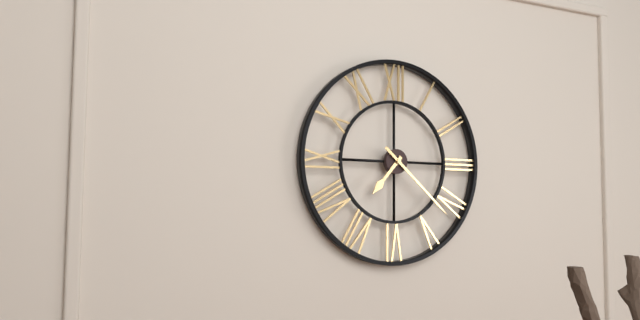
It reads 7h22
